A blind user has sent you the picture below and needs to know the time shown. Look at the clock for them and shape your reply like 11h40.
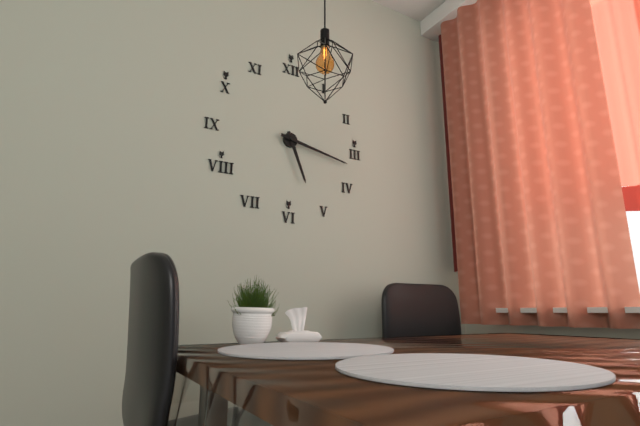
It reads 5h17
